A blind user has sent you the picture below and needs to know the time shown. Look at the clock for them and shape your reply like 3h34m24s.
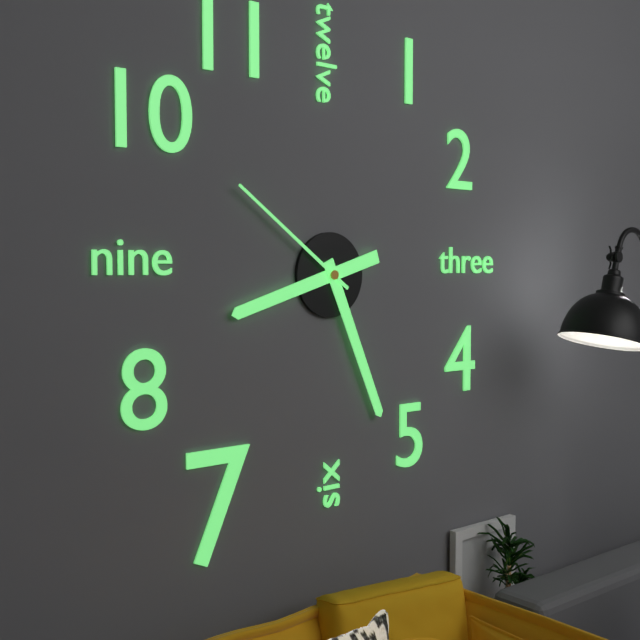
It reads 8h26m51s
